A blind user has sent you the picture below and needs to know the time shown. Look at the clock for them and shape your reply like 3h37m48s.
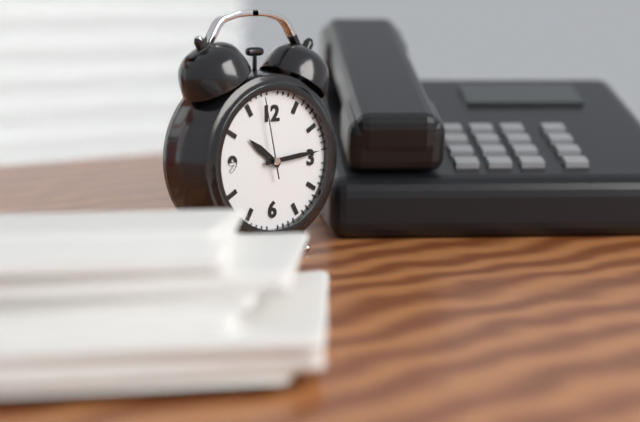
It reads 10h14m58s
